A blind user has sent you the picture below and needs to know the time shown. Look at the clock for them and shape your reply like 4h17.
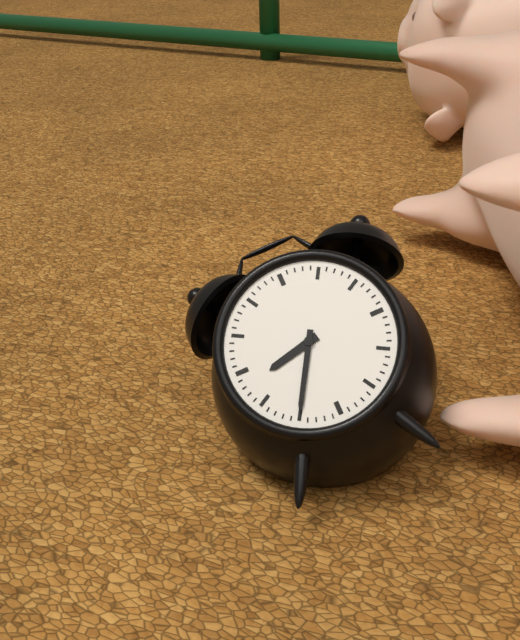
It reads 8h35
